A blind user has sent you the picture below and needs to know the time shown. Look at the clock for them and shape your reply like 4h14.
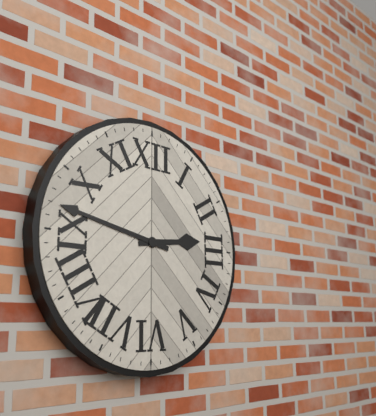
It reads 2h47
